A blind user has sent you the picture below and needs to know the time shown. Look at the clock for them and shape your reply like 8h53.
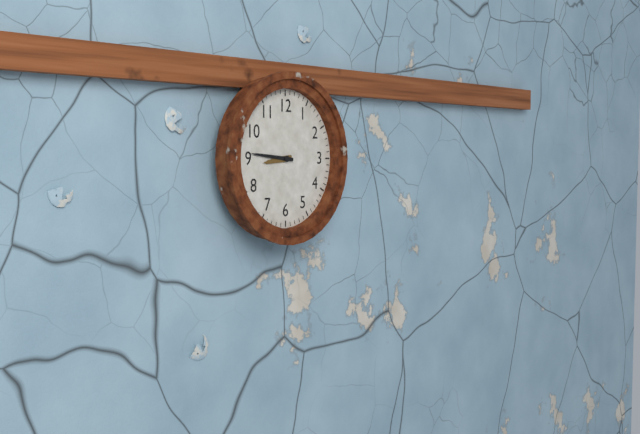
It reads 8h46
